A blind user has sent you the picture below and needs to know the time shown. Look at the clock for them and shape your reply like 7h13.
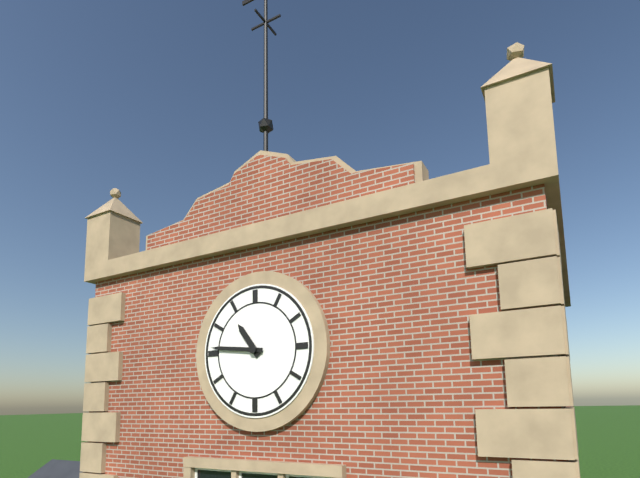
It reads 10h46
